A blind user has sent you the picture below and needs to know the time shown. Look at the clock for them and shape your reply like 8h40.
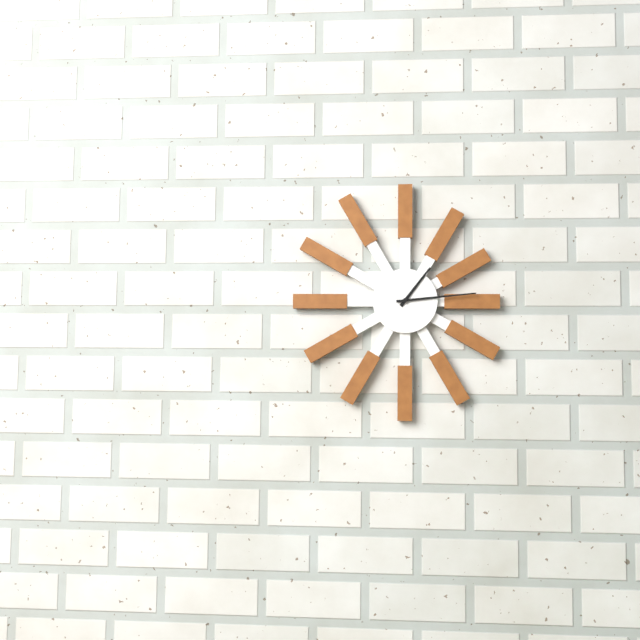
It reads 1h14
